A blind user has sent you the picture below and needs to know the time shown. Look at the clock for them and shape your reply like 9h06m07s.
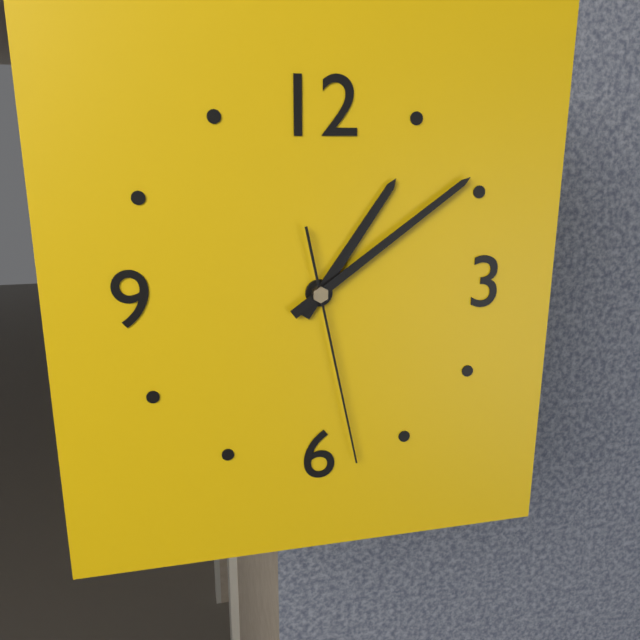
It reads 1h09m28s
